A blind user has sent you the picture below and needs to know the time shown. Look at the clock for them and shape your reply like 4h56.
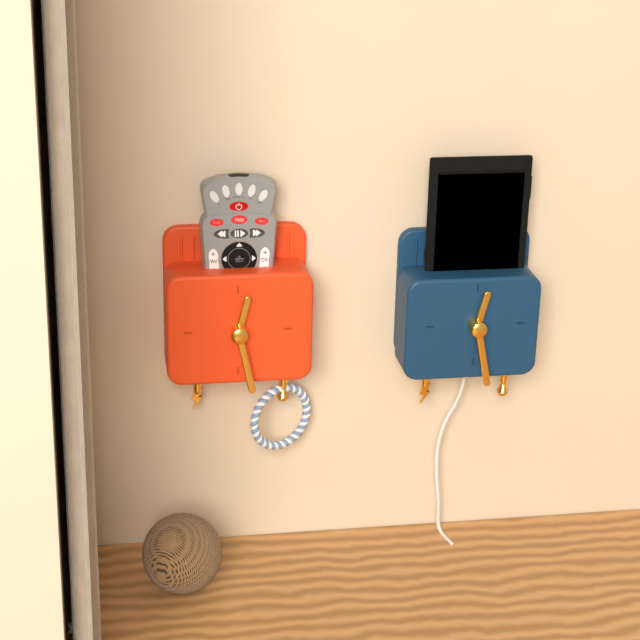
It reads 12h28
